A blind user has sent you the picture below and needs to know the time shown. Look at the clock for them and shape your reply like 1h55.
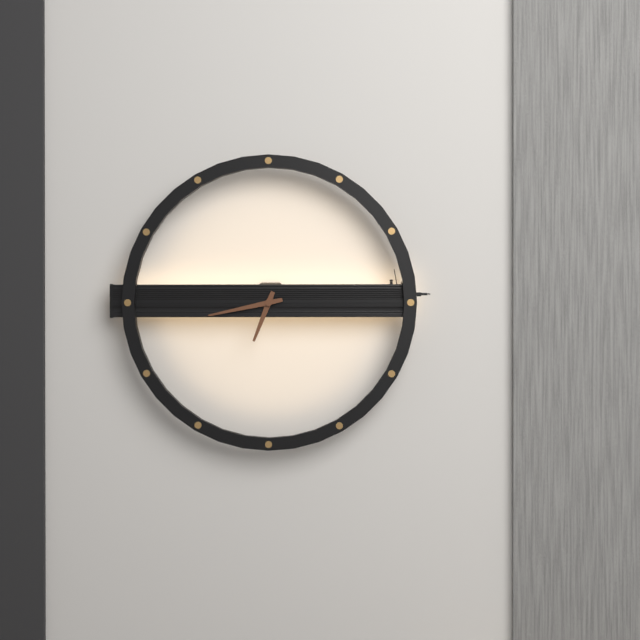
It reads 6h43
